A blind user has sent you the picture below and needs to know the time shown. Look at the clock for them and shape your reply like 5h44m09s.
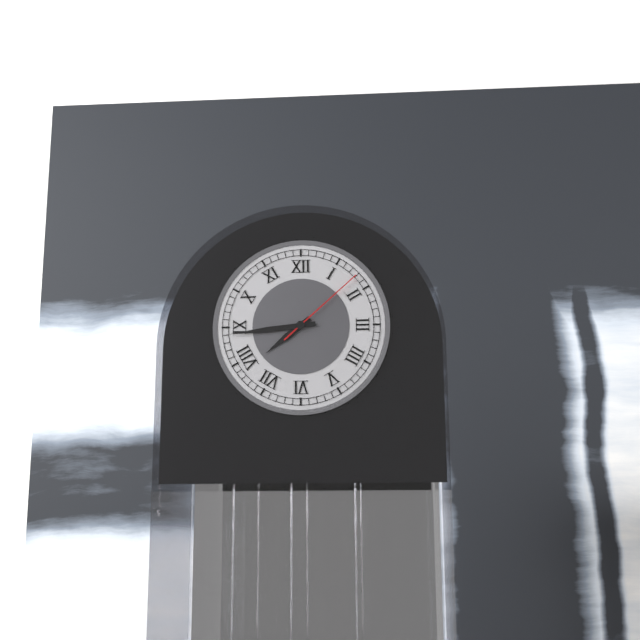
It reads 7h44m08s
